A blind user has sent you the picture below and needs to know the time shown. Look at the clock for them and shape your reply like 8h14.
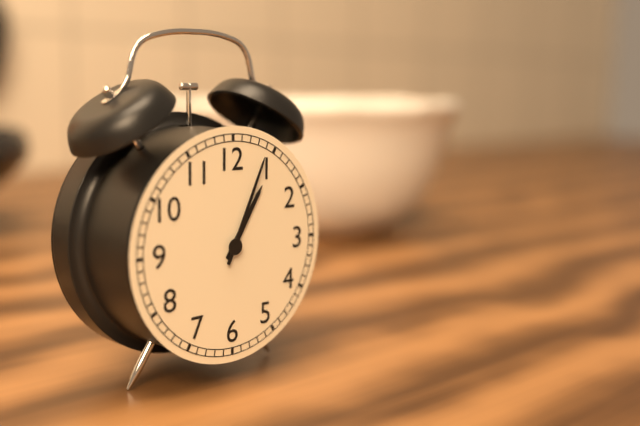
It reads 1h04
